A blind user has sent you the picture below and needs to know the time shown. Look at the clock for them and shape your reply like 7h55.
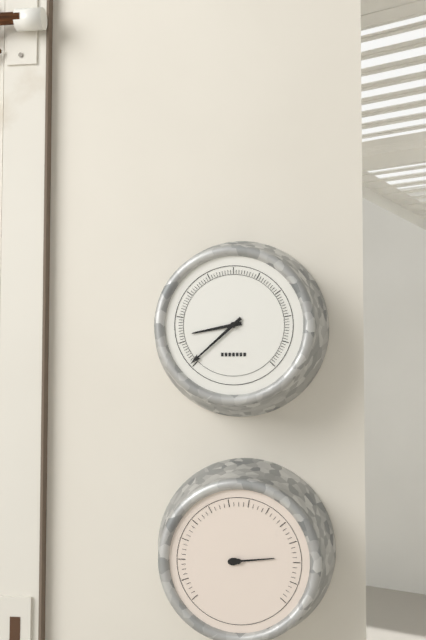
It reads 8h38
